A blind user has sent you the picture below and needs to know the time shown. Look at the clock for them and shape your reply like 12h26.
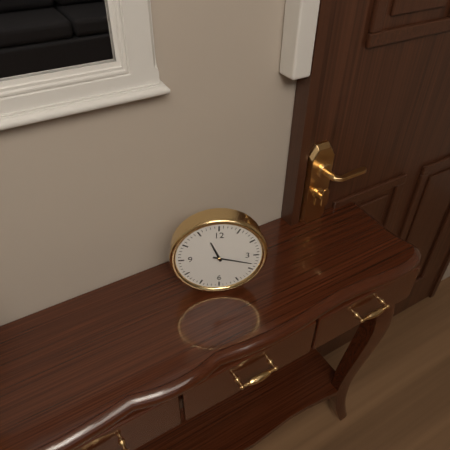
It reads 11h18
